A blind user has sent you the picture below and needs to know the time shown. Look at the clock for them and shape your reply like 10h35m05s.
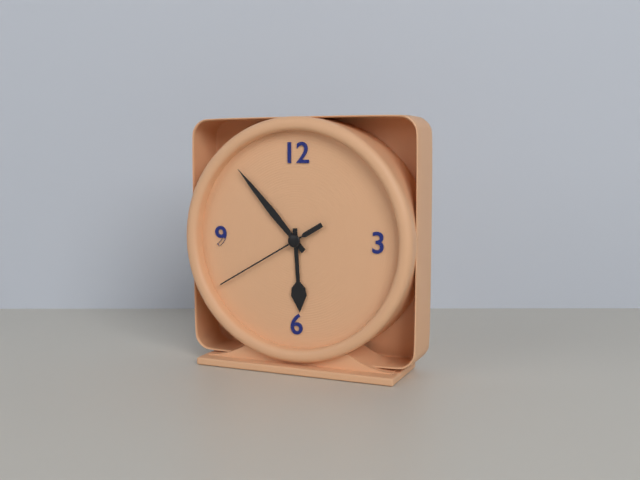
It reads 5h53m40s
